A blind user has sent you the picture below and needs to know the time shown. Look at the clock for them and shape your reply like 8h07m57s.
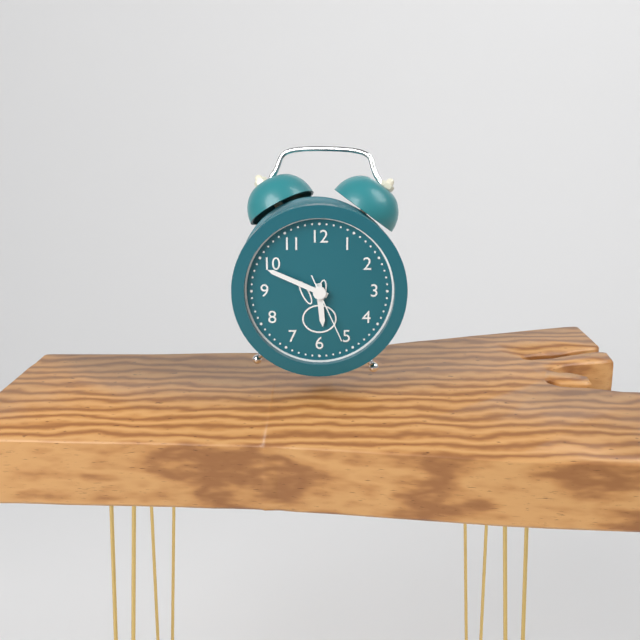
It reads 5h49m26s
